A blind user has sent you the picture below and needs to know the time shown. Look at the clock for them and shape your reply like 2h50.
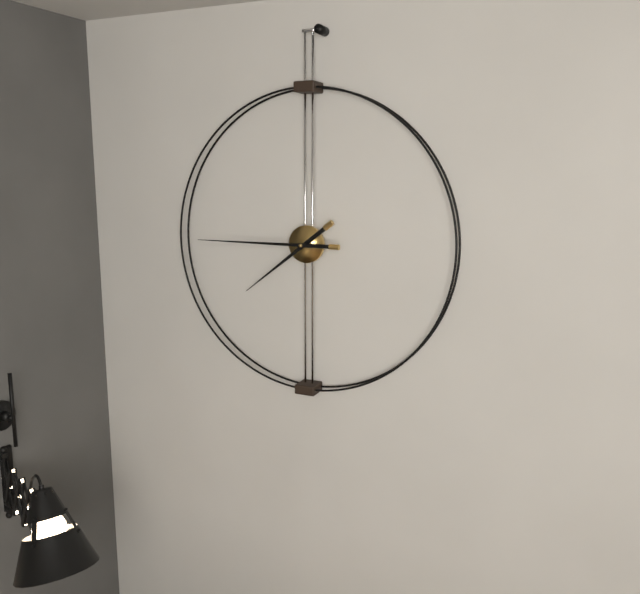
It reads 7h45
